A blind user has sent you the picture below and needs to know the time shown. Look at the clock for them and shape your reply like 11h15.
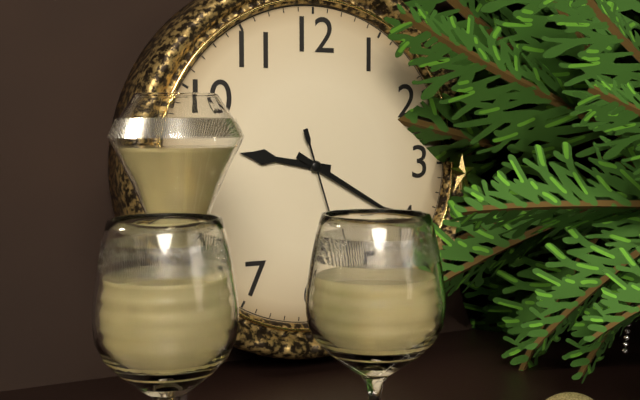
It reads 9h20
